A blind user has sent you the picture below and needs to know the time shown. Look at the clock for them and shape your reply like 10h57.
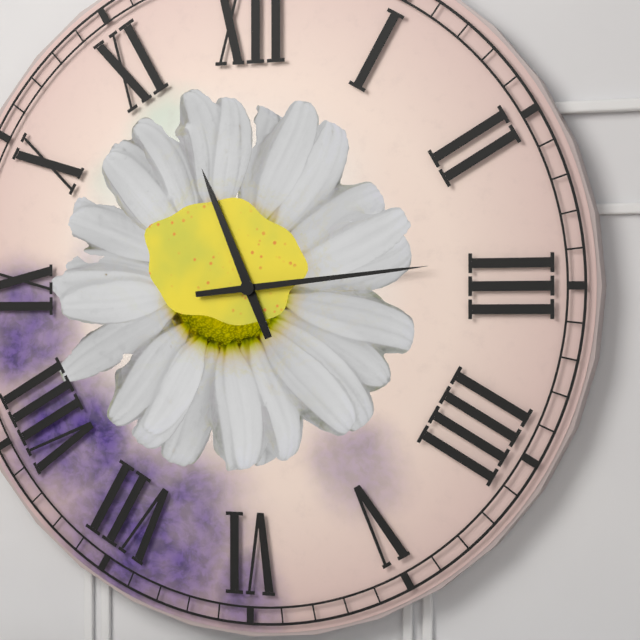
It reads 11h14
